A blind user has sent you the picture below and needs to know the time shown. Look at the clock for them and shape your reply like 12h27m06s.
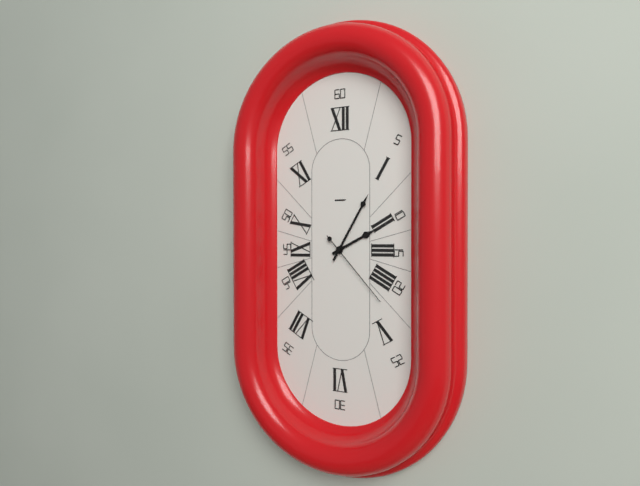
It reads 2h05m23s
